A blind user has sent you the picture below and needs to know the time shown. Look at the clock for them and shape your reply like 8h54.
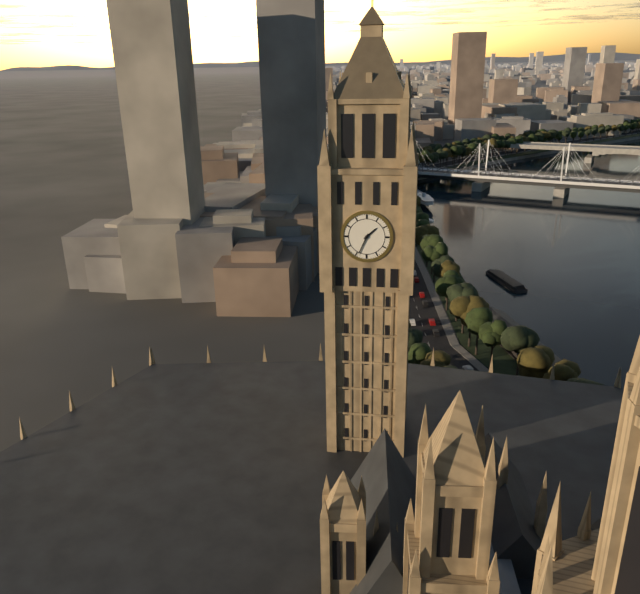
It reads 1h34
